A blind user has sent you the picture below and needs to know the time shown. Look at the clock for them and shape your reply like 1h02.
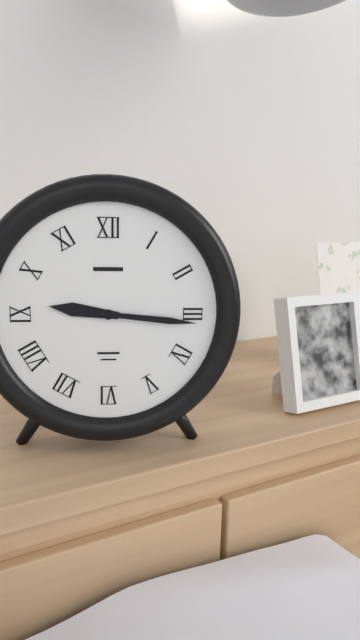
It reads 9h16
